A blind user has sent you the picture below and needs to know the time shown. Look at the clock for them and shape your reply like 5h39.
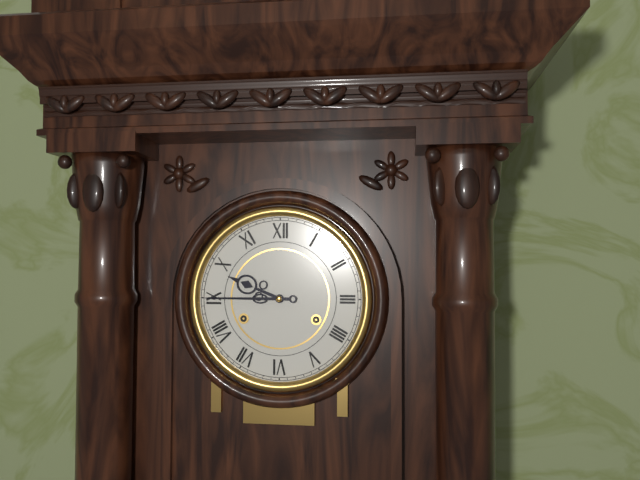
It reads 9h45
